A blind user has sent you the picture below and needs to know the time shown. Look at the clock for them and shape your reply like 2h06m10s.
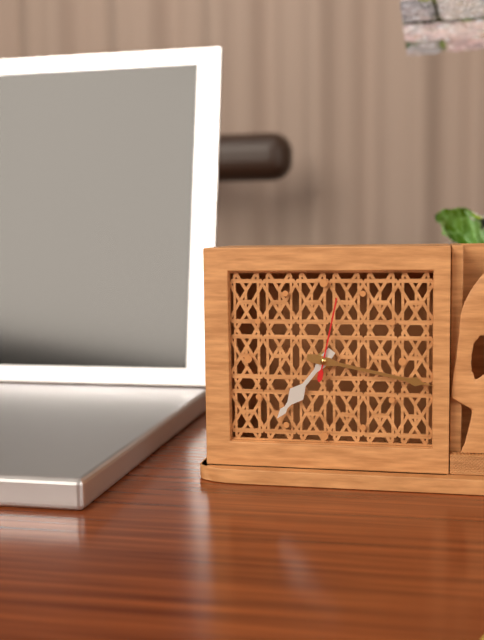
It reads 7h17m02s
